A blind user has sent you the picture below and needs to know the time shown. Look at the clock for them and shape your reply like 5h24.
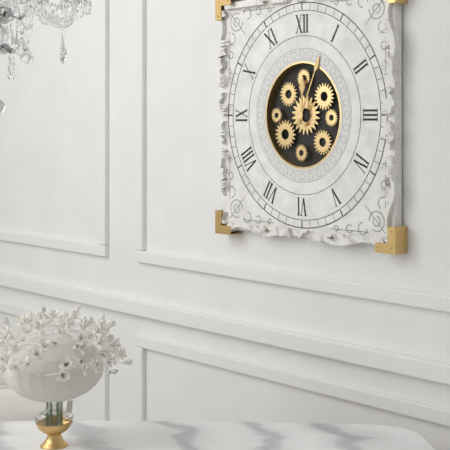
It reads 12h04
